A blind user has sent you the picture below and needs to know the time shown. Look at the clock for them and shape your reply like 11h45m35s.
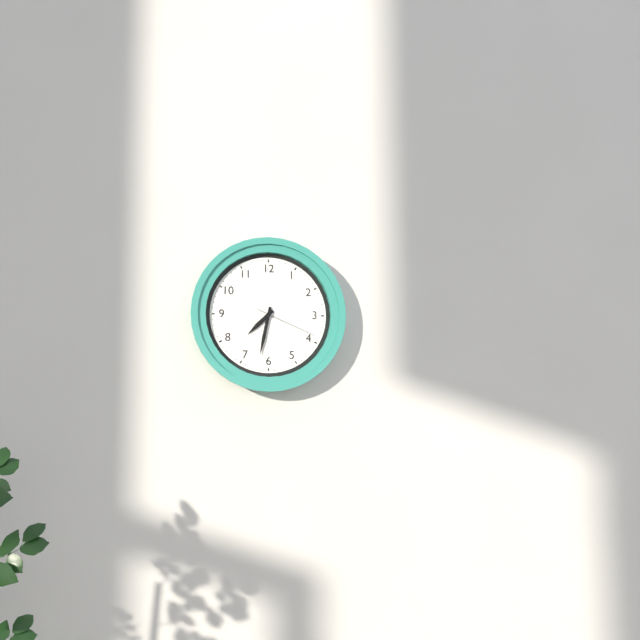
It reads 7h32m19s
